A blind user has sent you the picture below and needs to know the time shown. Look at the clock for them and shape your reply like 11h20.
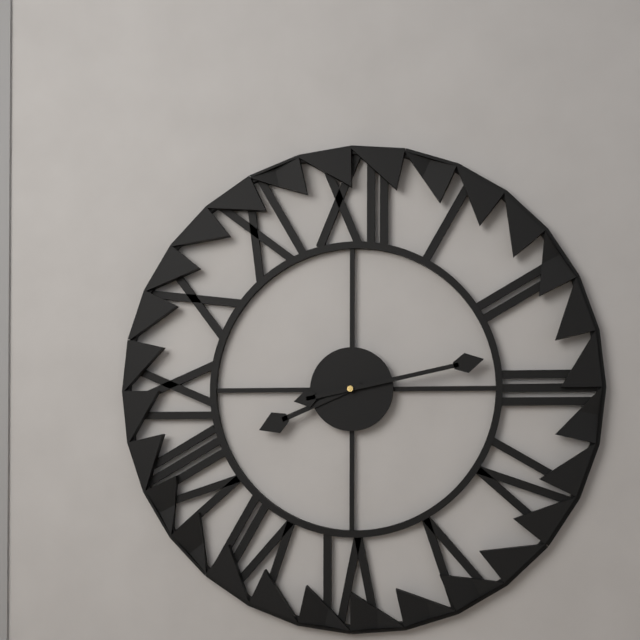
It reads 8h13
